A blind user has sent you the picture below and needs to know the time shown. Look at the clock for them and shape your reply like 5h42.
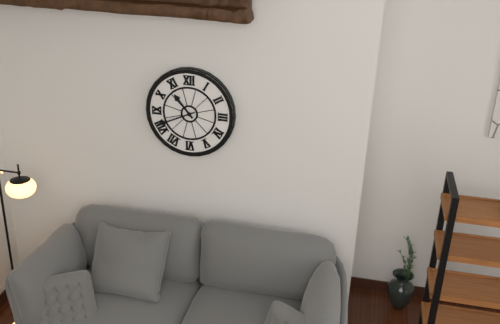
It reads 10h41
